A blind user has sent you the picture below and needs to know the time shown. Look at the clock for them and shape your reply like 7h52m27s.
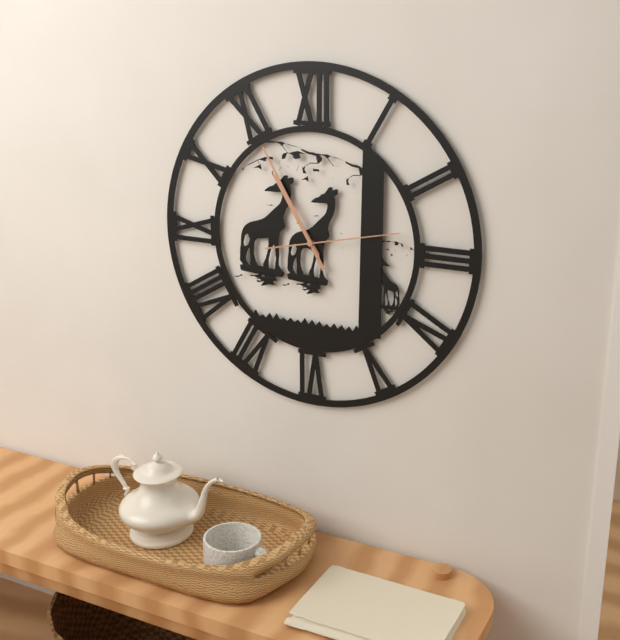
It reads 10h55m13s
